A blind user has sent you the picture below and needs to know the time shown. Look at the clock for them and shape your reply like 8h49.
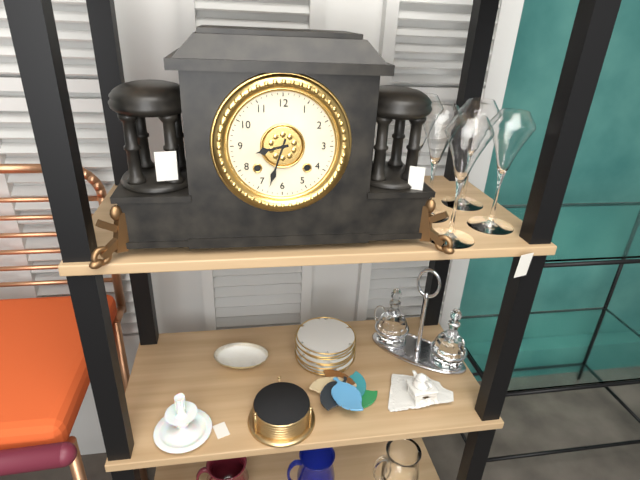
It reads 8h33
